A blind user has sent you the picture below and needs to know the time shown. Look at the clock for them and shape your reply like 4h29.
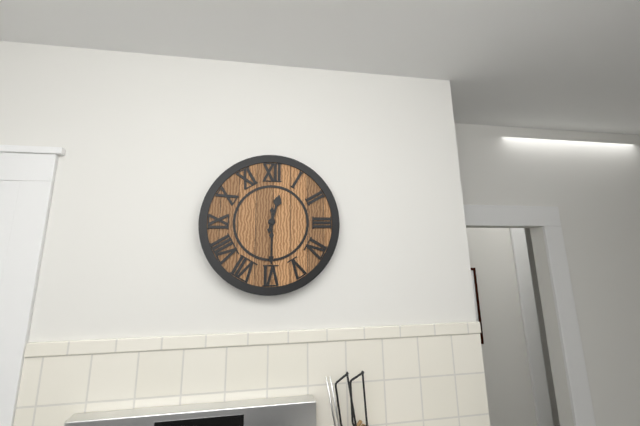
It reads 12h30
